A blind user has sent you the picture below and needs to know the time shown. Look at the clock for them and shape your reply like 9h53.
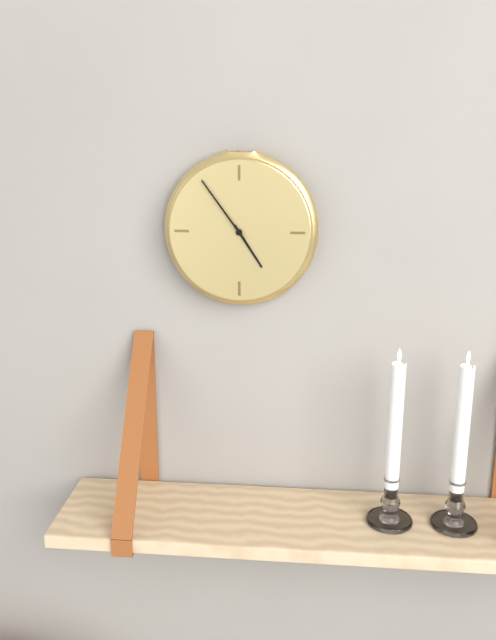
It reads 4h54
